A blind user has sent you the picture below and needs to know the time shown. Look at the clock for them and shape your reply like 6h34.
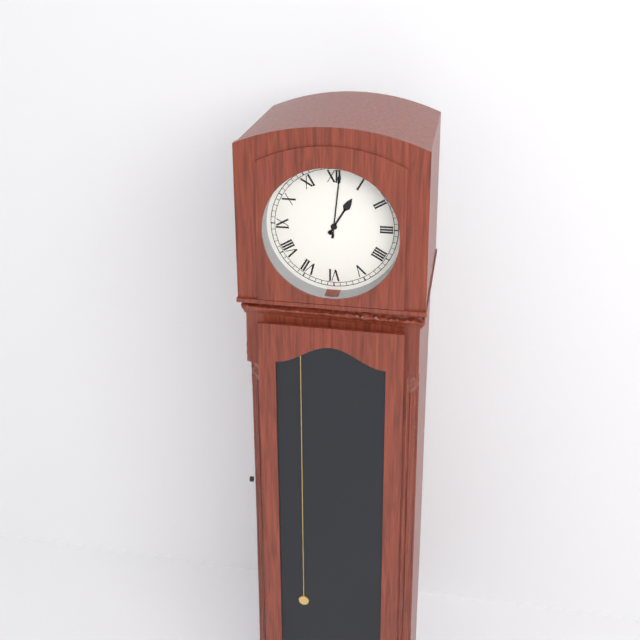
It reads 1h01
